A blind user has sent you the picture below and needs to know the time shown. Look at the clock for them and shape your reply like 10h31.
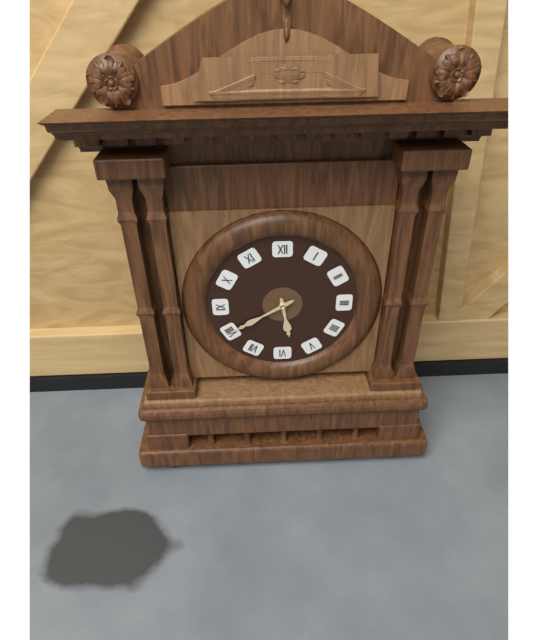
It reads 5h40
